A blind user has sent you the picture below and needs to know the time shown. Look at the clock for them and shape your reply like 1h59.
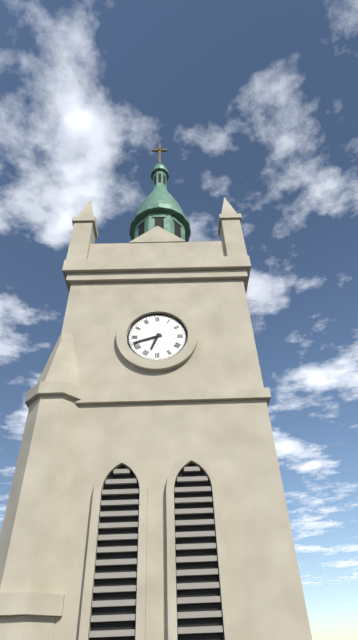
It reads 6h42
